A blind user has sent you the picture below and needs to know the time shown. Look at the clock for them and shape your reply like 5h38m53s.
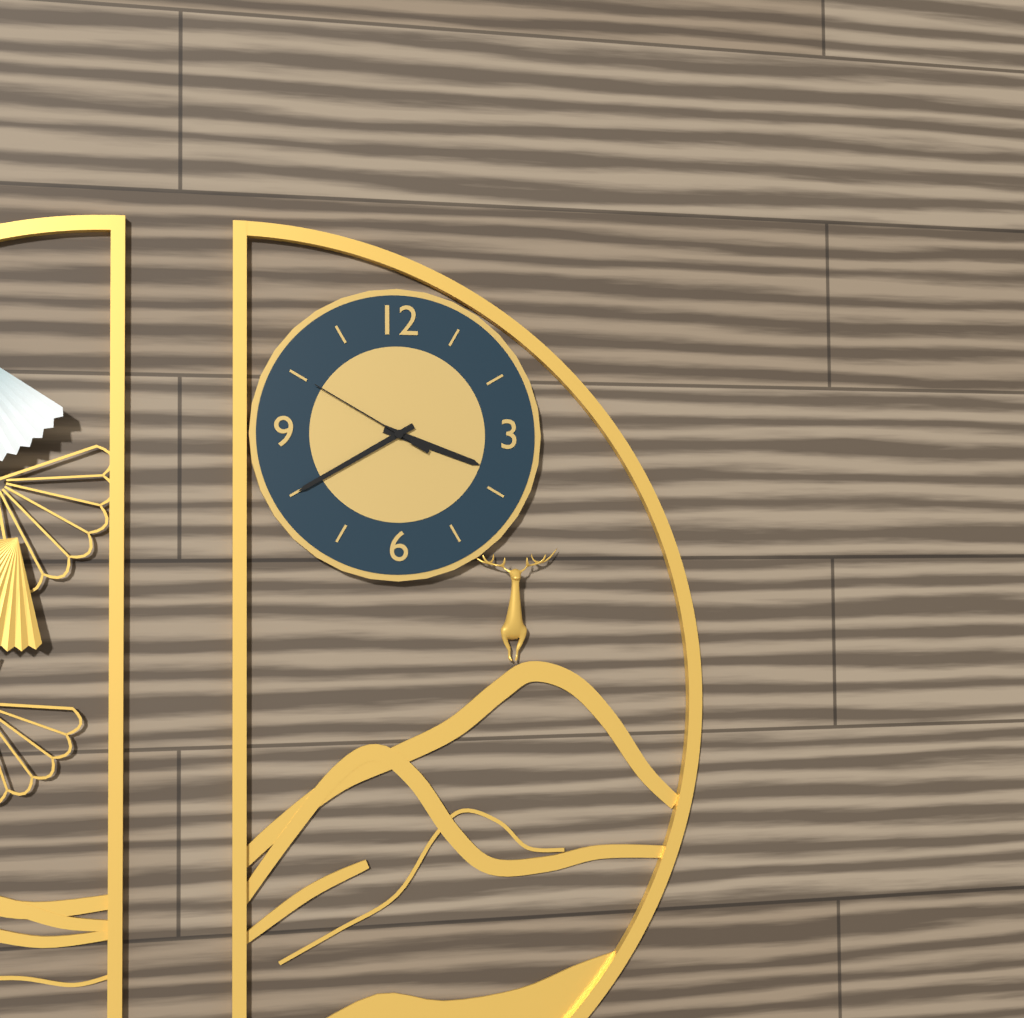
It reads 3h40m50s
